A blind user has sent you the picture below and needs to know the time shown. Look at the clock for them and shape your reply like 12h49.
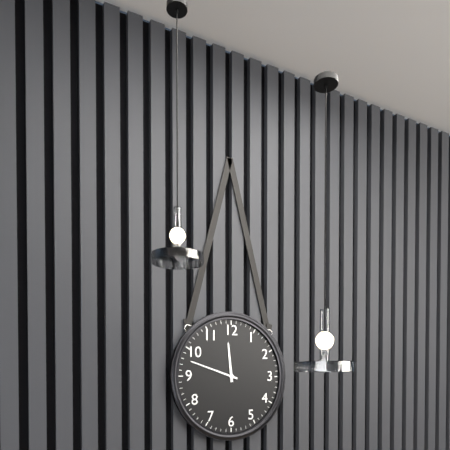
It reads 11h48
